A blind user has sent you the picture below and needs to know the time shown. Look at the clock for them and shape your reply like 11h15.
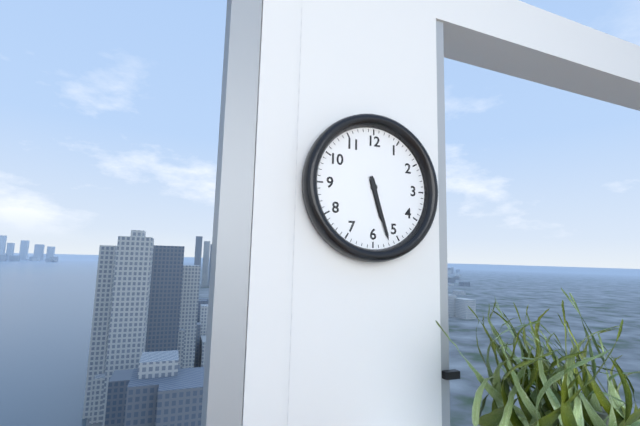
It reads 5h27
